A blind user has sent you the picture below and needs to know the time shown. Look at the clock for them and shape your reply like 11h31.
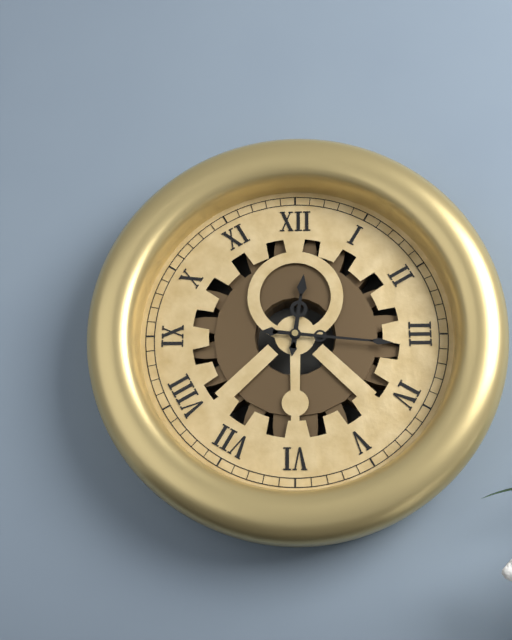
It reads 12h16
